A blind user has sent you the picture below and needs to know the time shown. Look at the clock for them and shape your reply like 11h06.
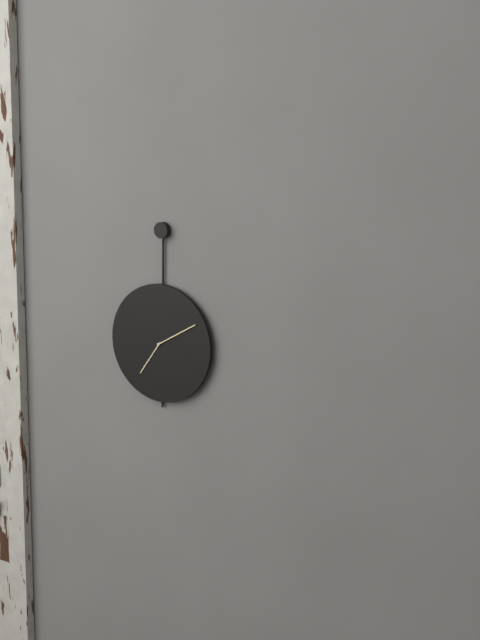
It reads 7h10
